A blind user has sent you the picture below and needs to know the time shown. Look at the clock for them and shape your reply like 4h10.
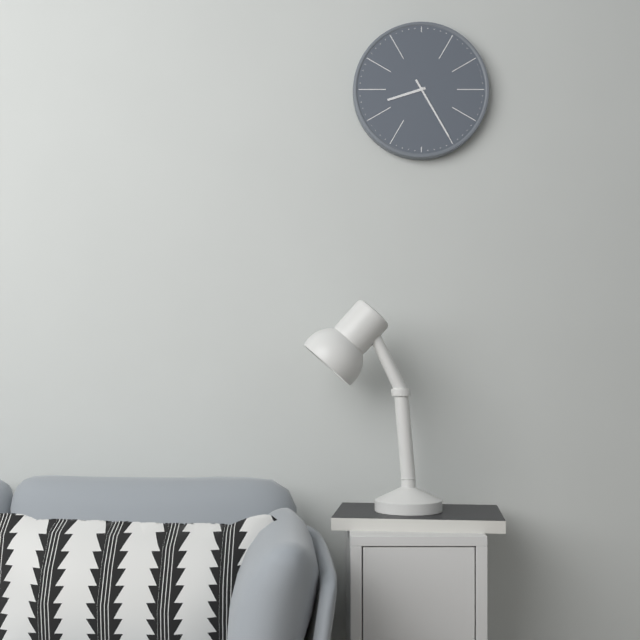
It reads 8h25
